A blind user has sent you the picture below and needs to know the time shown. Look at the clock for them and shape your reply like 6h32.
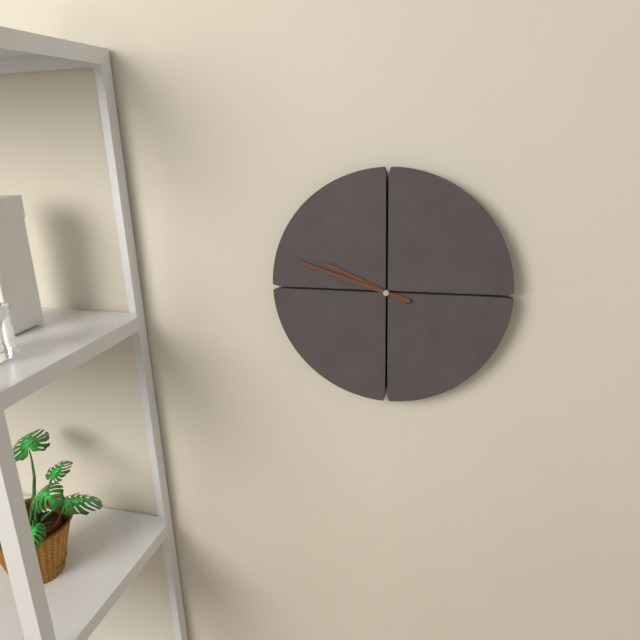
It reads 9h48
